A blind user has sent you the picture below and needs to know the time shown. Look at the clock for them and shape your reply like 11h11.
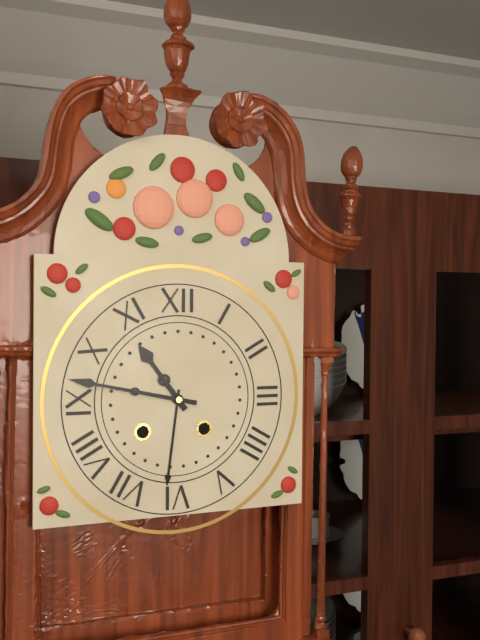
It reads 10h47
